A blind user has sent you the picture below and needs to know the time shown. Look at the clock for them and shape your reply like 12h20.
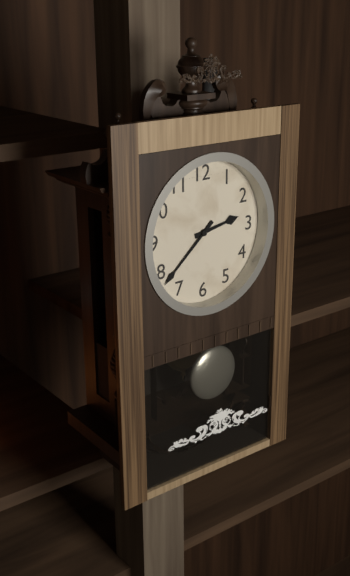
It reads 2h38
